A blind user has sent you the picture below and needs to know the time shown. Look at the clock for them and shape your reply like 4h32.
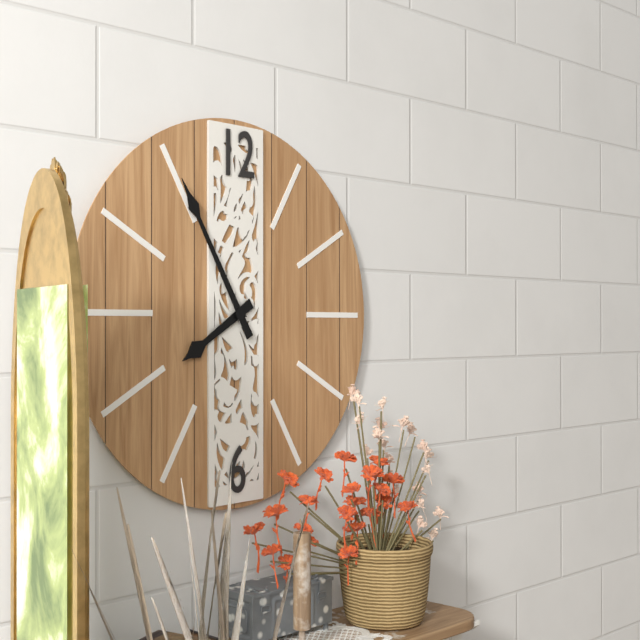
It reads 7h55
